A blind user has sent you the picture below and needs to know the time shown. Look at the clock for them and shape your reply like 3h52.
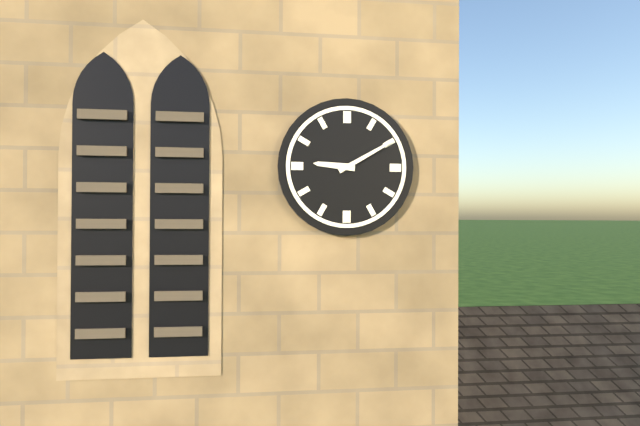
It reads 9h10
